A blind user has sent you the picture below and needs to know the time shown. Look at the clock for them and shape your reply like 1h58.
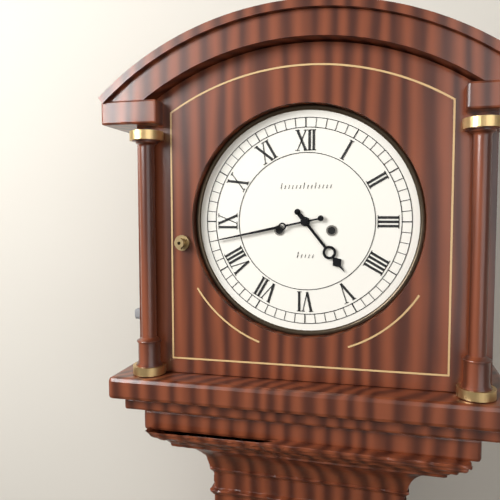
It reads 4h43
